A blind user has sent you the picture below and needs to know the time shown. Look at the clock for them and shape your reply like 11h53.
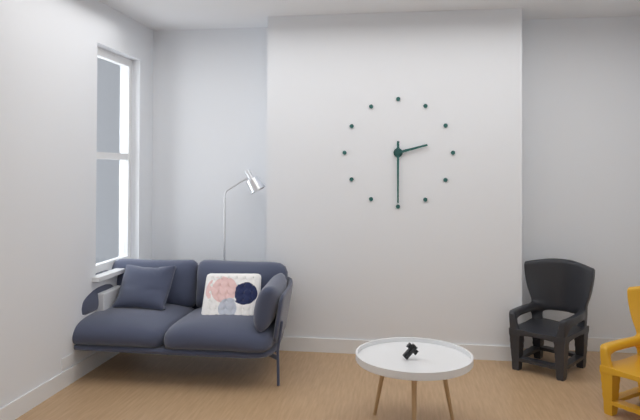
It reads 2h30
